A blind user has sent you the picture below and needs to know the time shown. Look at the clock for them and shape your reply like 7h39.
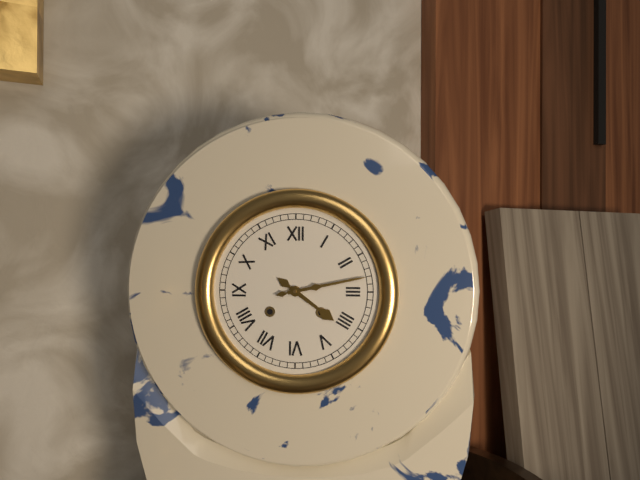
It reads 4h13
